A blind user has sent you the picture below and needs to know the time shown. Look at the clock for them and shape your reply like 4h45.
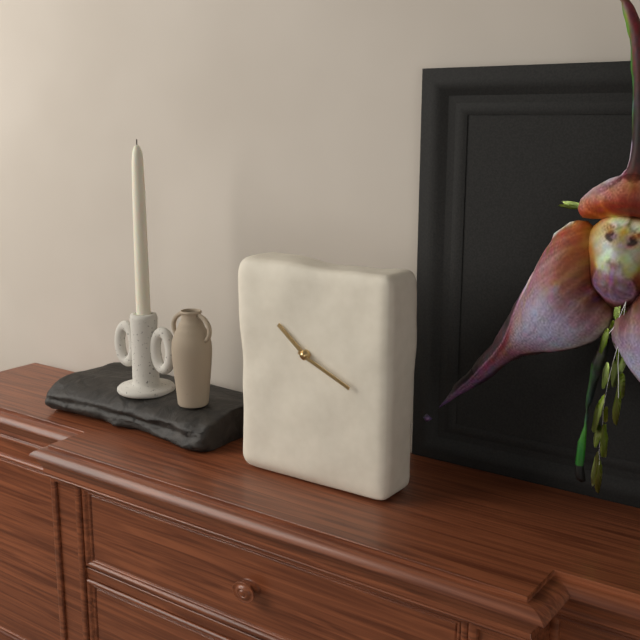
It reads 10h19
